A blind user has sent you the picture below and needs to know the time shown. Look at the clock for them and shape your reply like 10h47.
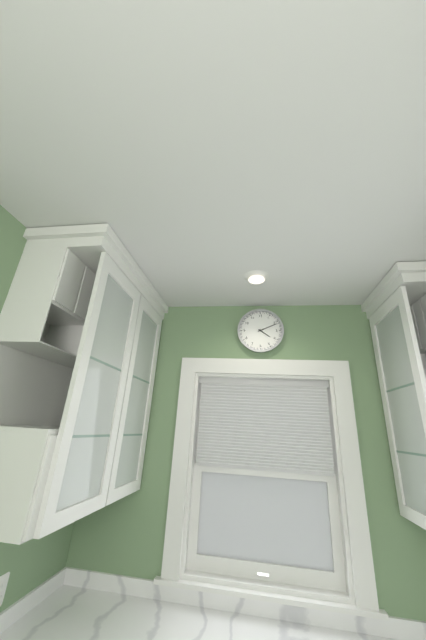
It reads 4h11
